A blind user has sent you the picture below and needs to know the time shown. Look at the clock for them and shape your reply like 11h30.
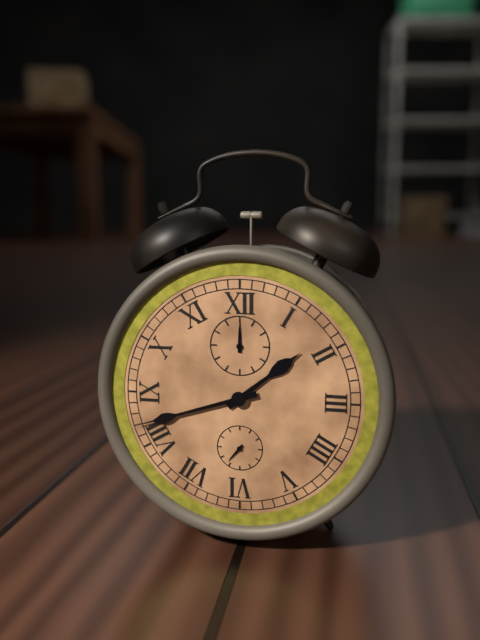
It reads 1h42
